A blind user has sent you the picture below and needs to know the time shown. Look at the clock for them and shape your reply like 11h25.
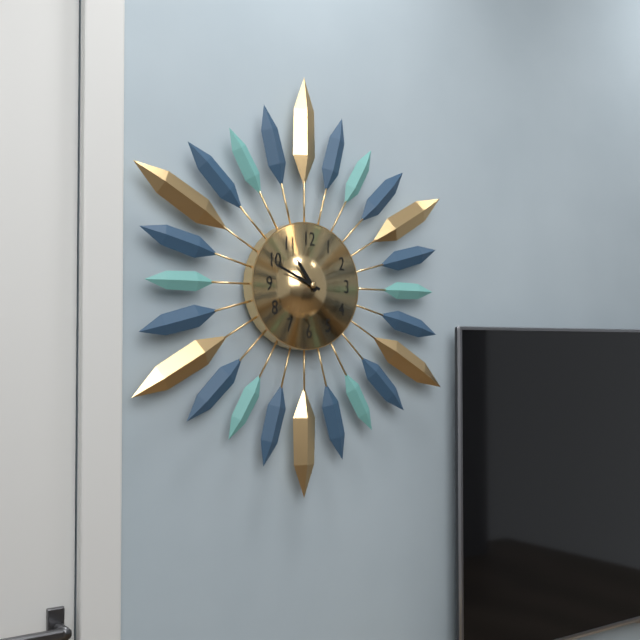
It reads 10h49
